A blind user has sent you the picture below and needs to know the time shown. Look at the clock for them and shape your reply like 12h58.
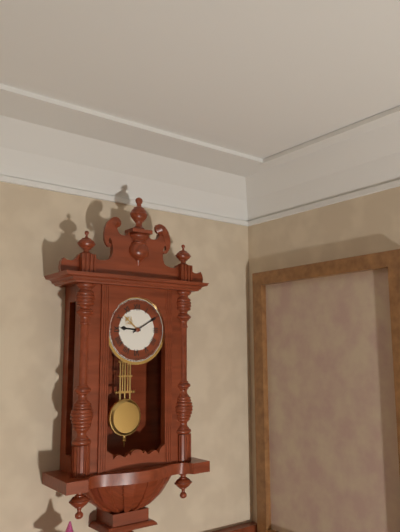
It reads 9h10
